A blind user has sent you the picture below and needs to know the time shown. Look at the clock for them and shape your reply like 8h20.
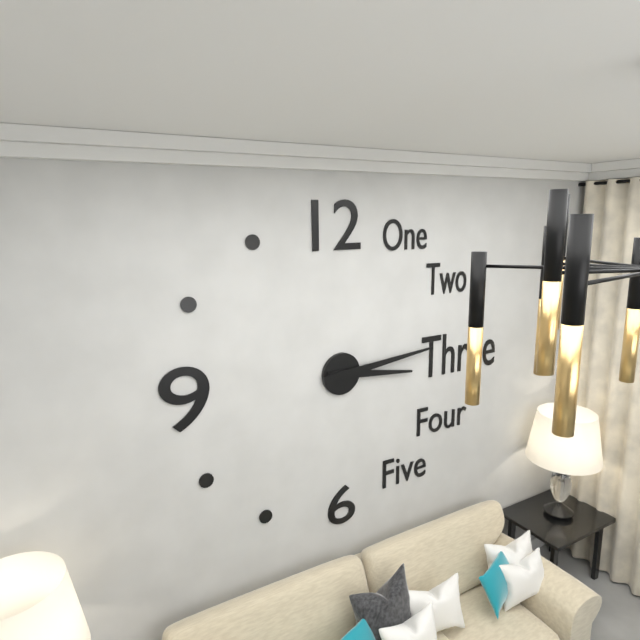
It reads 3h14
